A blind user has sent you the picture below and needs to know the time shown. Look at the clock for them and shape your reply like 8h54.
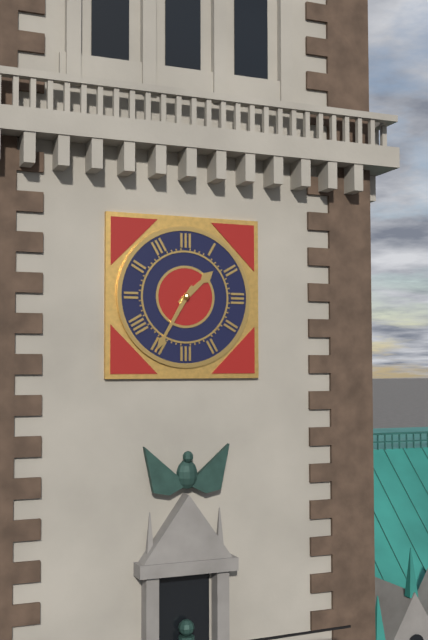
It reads 1h35
